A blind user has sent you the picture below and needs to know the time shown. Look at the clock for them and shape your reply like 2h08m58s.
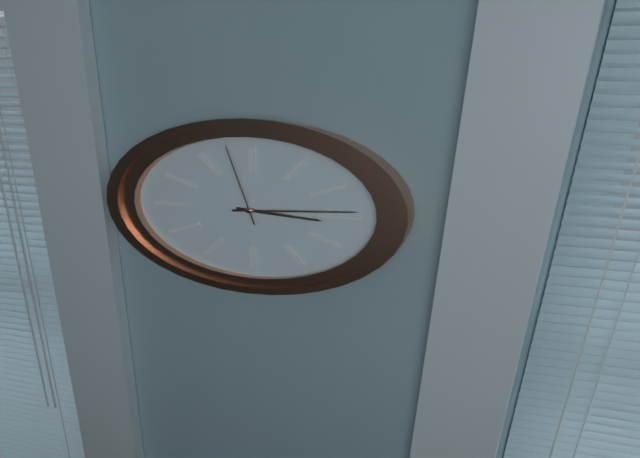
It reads 3h14m58s
